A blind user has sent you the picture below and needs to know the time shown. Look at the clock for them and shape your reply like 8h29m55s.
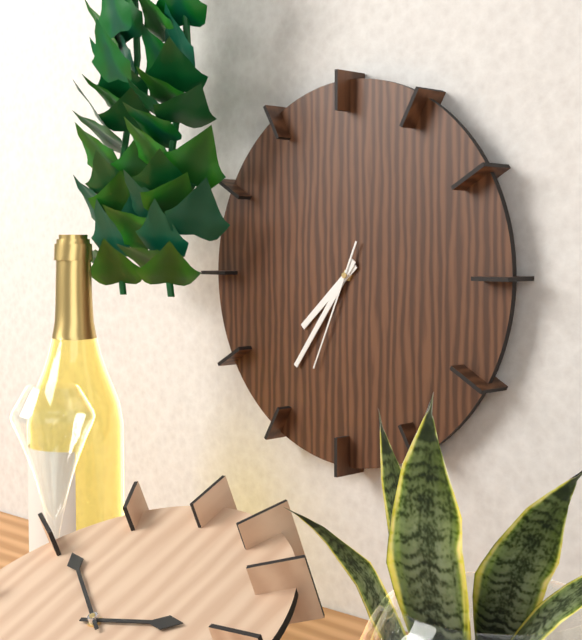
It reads 7h36m34s
